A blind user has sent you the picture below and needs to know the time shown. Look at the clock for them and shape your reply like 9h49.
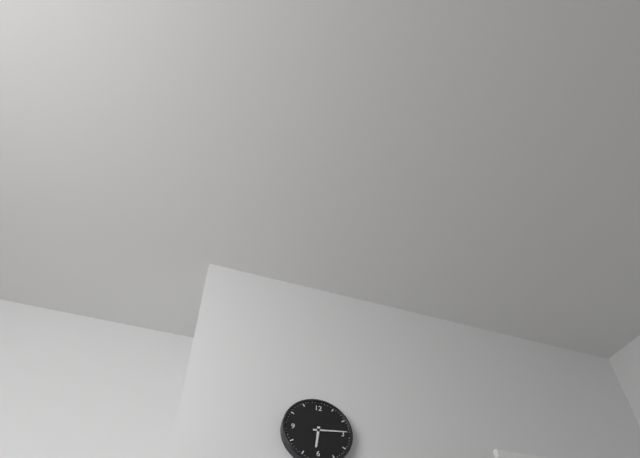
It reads 6h14
